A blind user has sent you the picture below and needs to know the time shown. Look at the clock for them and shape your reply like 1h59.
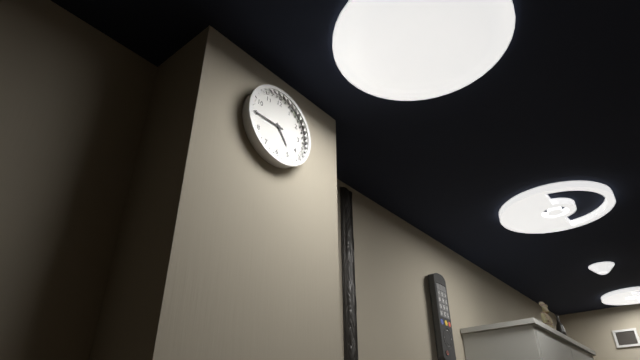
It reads 4h45
